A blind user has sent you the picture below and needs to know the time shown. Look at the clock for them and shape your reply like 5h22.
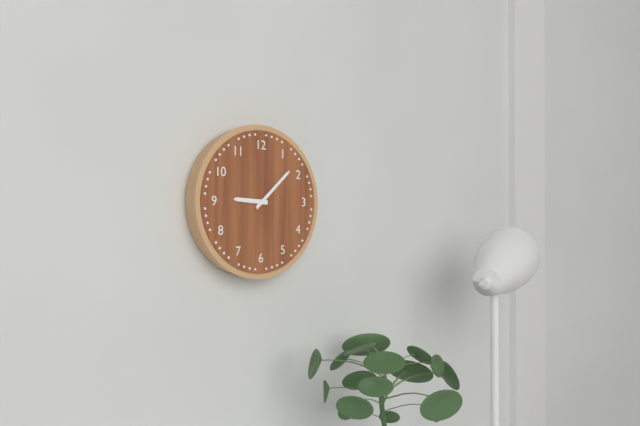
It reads 9h08
